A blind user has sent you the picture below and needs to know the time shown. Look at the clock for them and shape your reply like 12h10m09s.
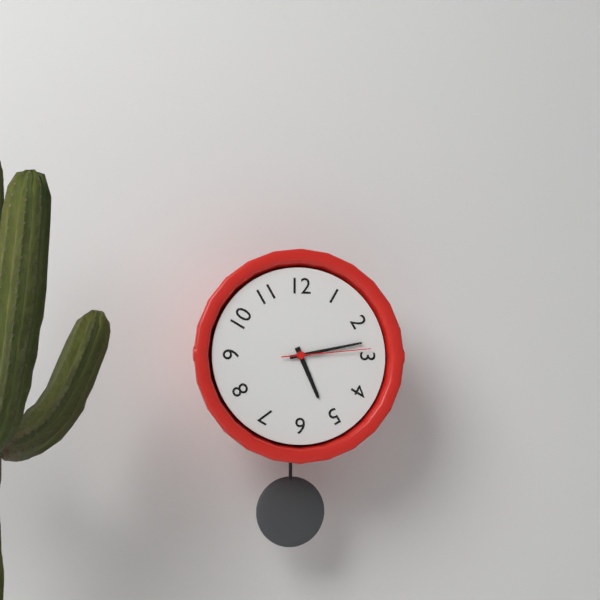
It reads 5h13m14s
